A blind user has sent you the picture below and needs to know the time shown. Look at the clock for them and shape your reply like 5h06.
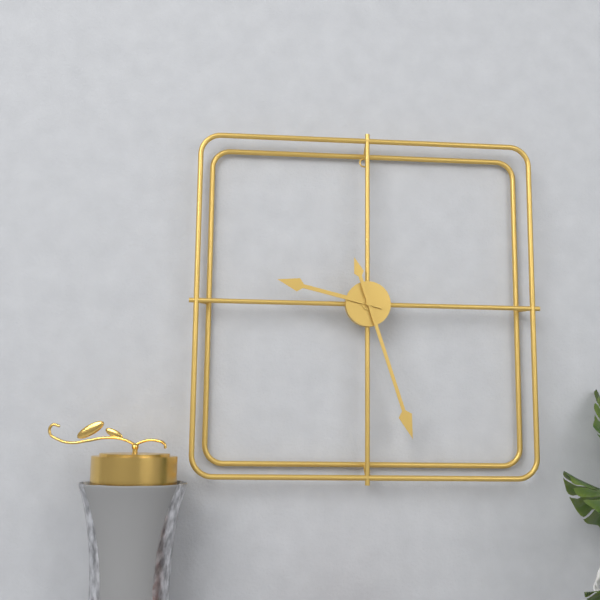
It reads 9h27
